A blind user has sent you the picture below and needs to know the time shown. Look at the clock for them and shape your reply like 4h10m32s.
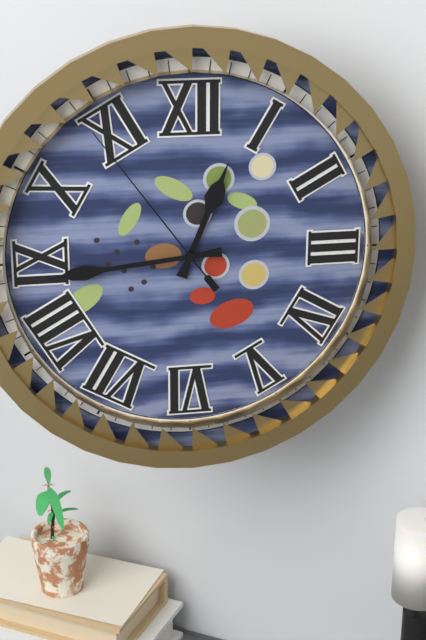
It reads 12h44m54s
